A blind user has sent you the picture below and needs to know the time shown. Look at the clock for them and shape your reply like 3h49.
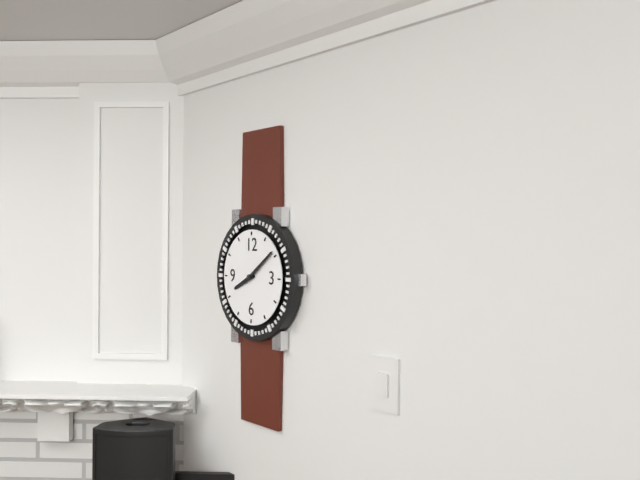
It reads 8h09
